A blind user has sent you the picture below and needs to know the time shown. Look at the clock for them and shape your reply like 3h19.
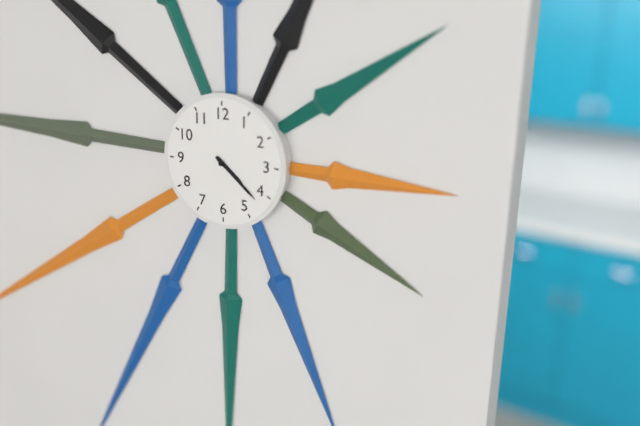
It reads 4h22
